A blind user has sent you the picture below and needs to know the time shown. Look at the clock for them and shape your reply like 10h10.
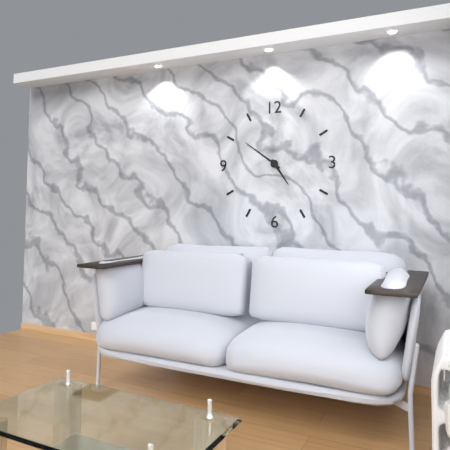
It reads 4h51
